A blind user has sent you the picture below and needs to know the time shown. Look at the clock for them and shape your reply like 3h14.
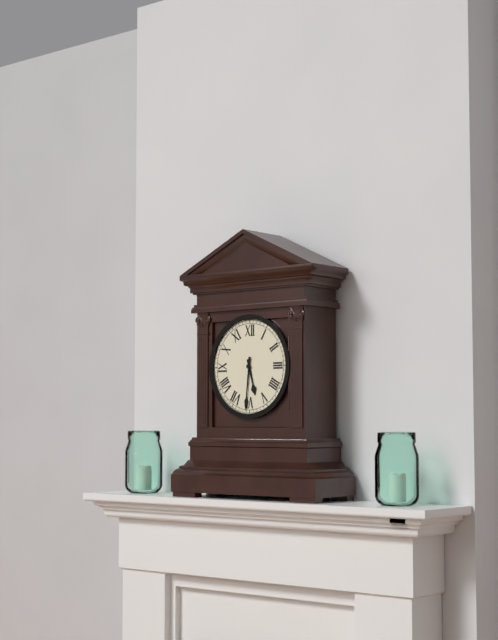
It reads 5h31
